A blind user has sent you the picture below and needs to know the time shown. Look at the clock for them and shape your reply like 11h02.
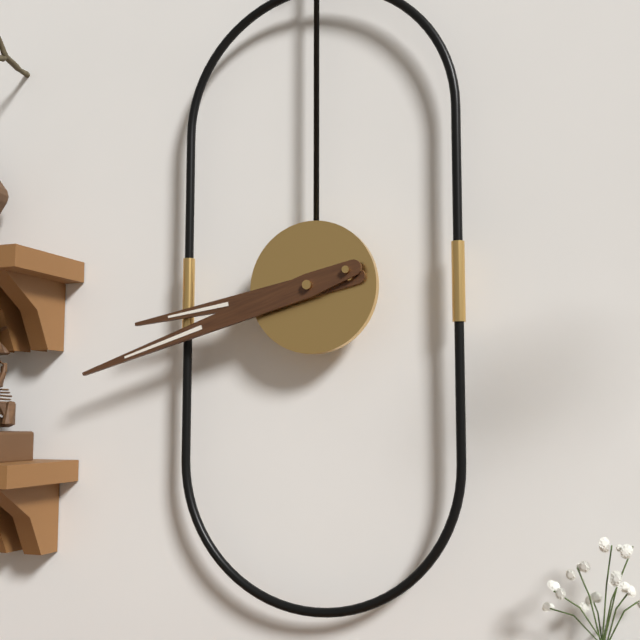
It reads 8h42
